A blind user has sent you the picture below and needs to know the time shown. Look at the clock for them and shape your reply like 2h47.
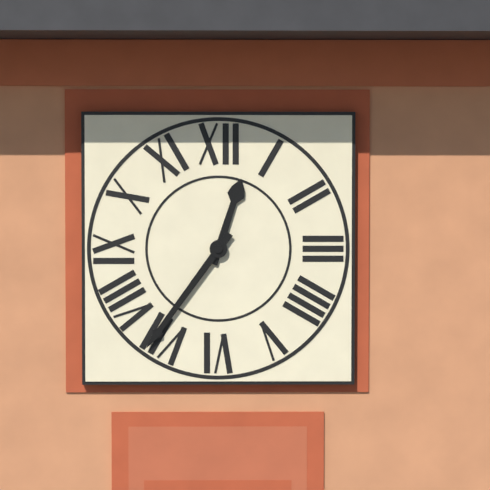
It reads 12h36
